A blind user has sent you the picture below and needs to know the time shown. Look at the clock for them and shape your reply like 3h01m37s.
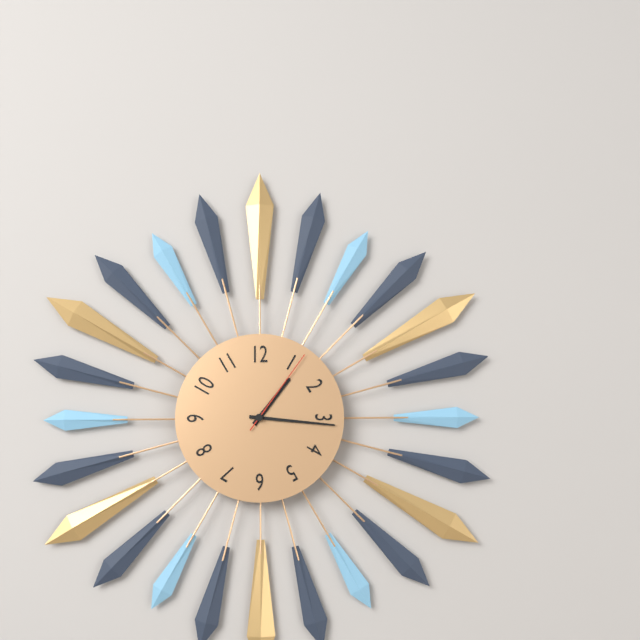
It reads 1h16m06s
